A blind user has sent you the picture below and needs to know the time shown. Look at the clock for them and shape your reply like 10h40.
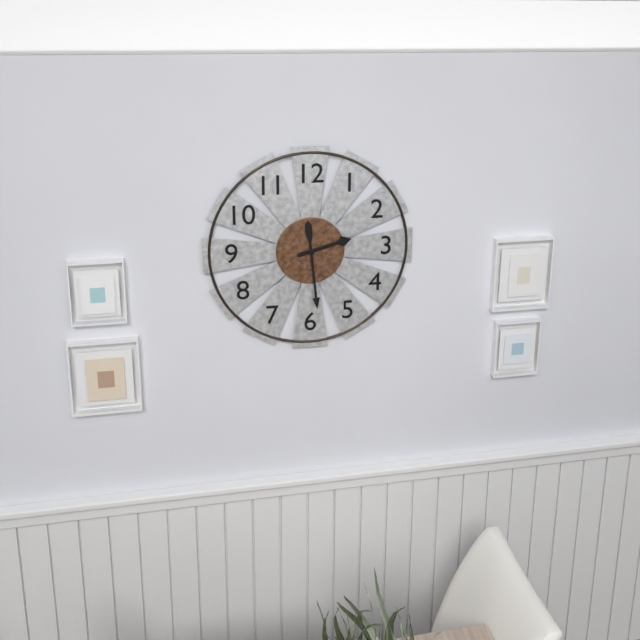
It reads 2h29
